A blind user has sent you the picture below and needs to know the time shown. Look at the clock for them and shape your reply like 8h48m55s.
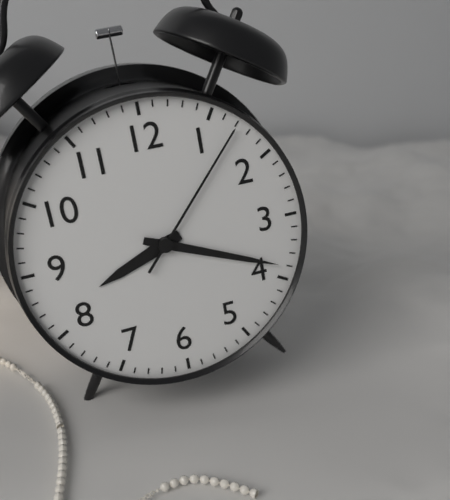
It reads 8h19m07s
